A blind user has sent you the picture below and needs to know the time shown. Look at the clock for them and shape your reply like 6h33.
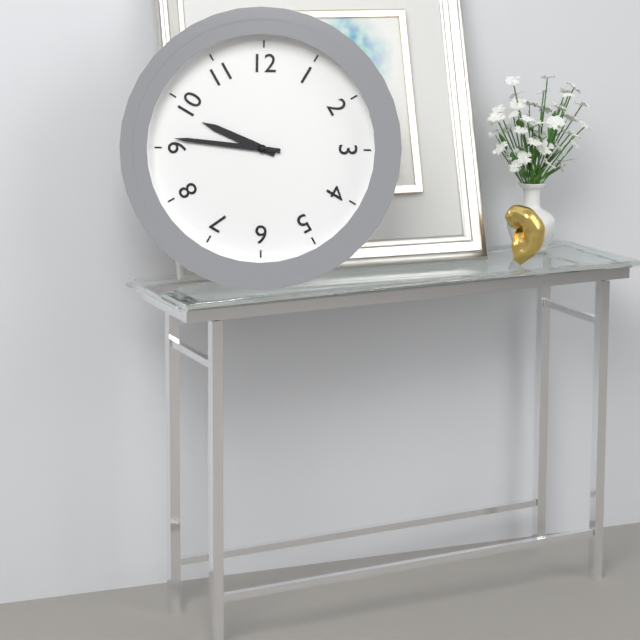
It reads 9h46
